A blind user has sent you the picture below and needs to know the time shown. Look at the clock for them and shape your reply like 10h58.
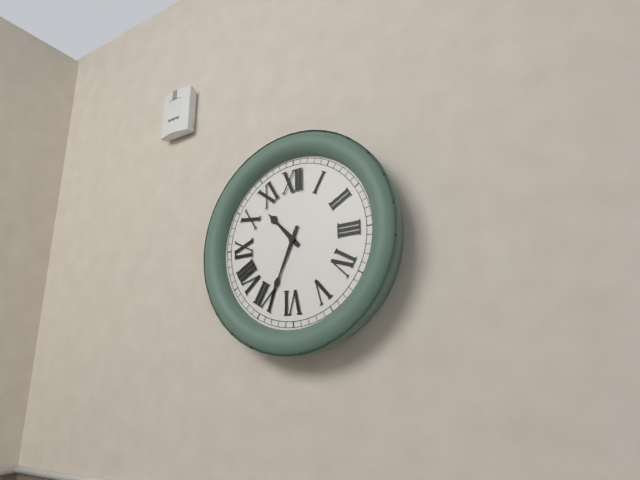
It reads 10h34
